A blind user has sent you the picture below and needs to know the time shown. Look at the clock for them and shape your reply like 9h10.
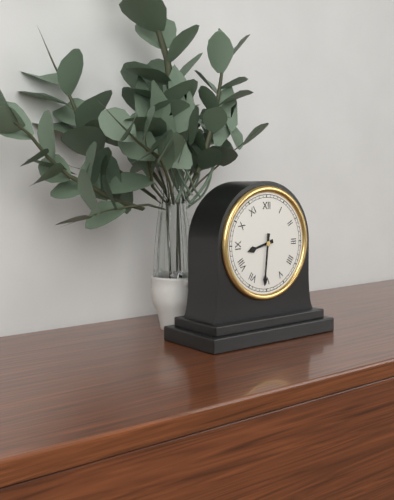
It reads 8h31
